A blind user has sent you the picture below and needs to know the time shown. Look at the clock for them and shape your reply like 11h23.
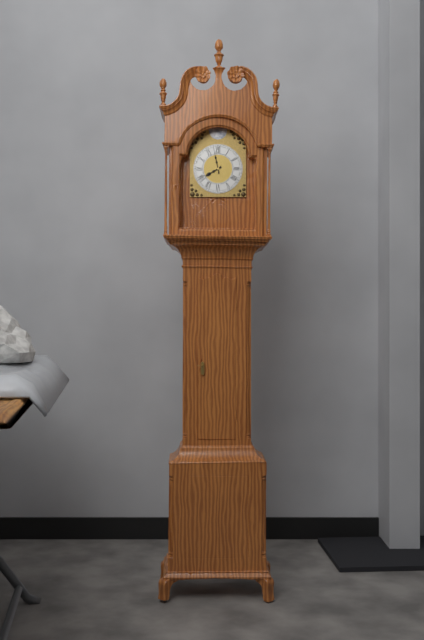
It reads 7h58
